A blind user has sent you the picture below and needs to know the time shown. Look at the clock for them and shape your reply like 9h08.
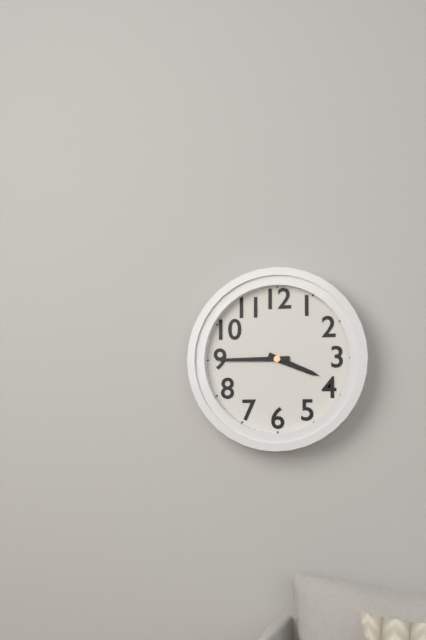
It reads 3h45
